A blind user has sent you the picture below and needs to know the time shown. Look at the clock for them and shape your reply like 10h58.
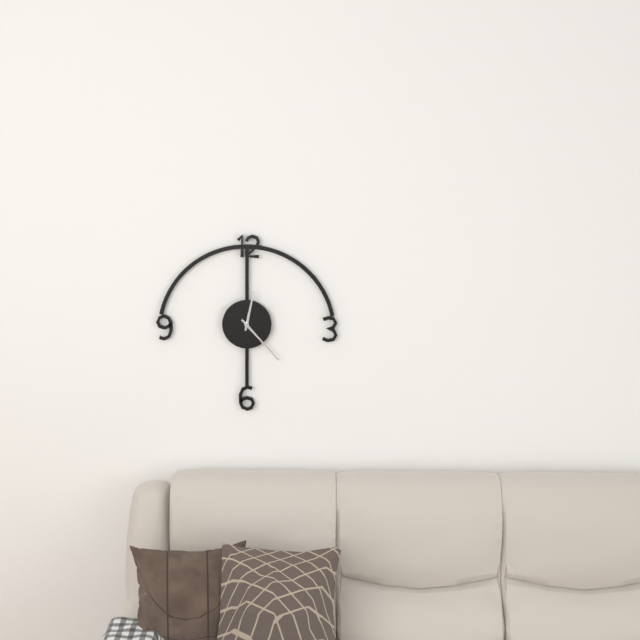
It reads 12h23
